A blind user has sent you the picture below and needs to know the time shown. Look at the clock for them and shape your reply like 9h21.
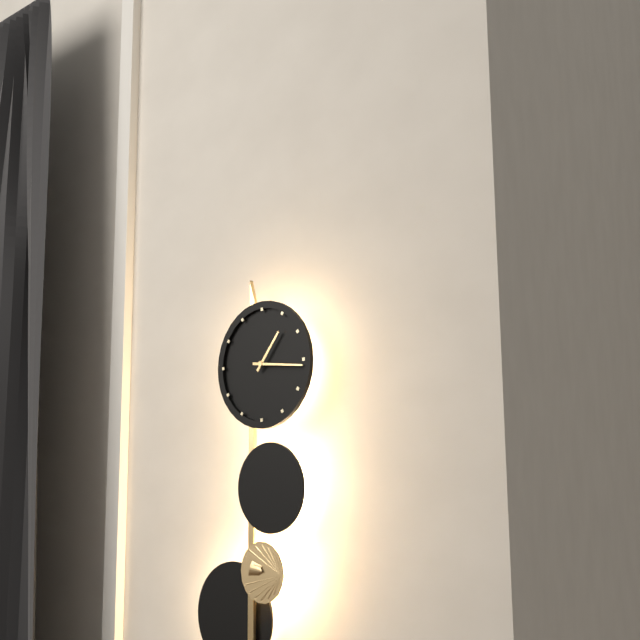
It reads 1h16
